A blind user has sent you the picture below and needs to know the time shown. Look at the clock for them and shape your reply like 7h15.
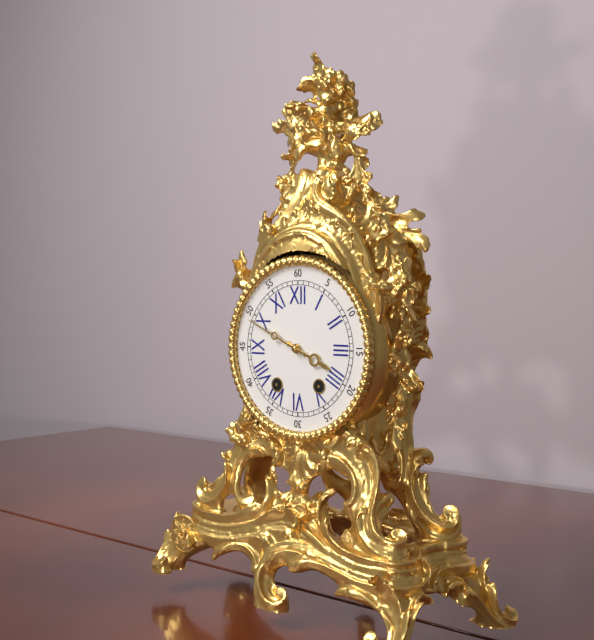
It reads 3h49
